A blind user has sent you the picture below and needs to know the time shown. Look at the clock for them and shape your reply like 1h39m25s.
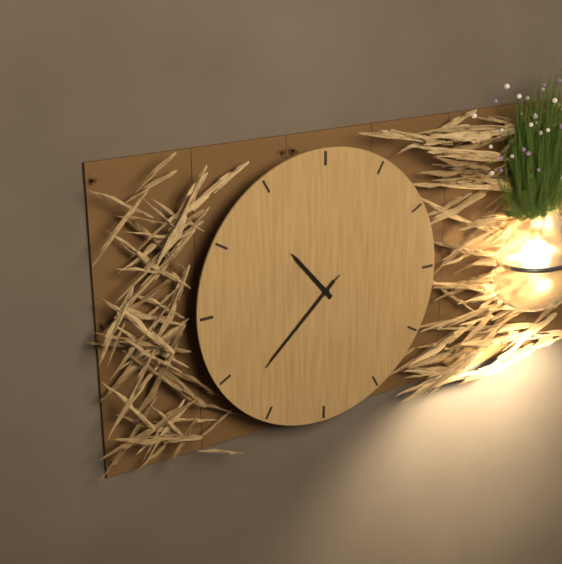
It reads 10h38m38s
